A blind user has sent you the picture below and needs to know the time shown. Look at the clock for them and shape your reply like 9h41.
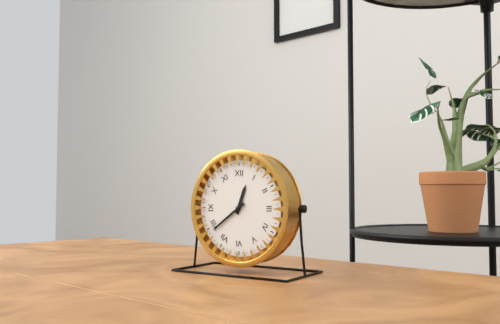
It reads 12h39
